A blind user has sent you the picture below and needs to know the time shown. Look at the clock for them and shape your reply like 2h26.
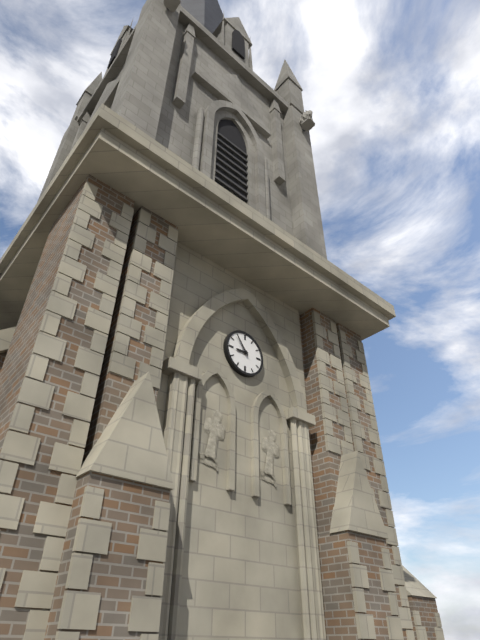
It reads 8h54
